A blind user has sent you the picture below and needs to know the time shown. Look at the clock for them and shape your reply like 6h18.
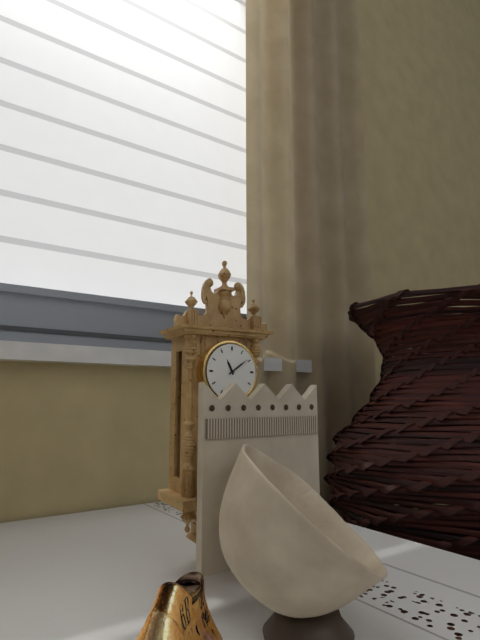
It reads 11h09
